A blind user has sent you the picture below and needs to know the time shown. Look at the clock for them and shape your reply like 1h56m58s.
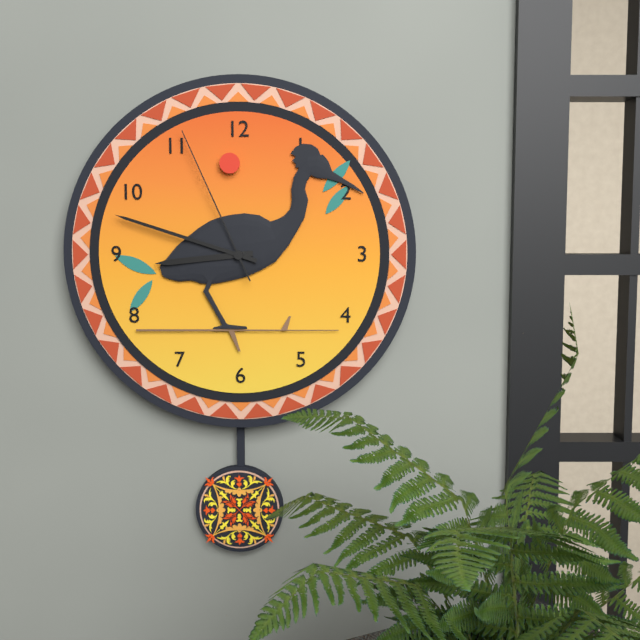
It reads 8h48m56s
